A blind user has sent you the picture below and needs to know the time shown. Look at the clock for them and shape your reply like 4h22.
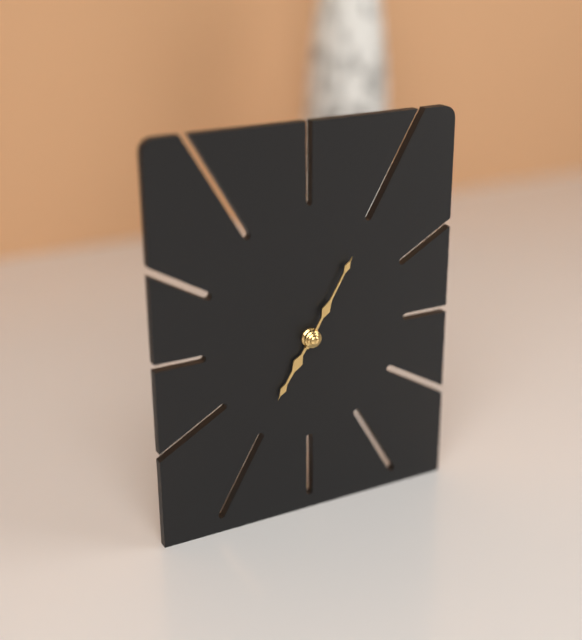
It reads 7h05
